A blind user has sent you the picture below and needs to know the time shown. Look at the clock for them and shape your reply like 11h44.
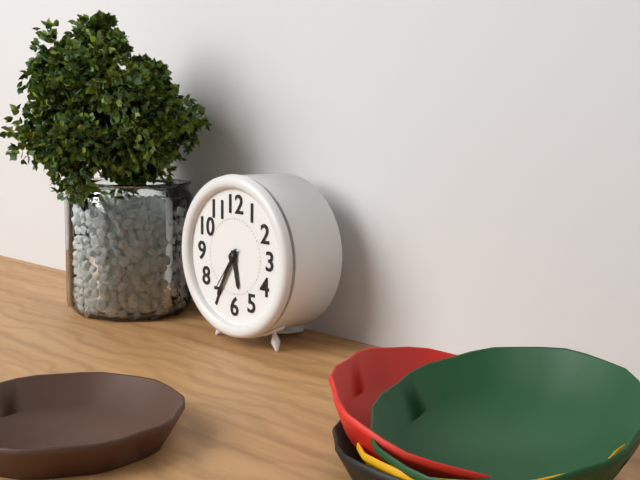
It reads 5h35
